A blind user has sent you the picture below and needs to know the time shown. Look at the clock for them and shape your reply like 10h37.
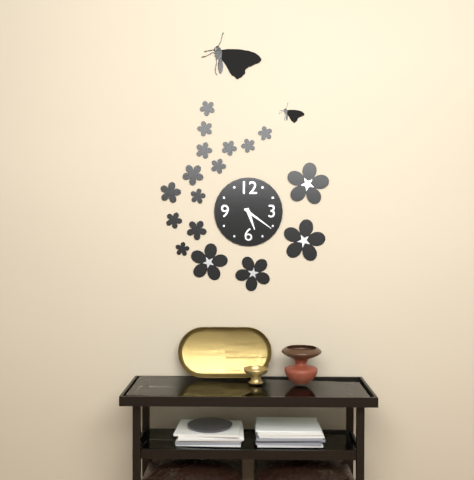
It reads 5h21
